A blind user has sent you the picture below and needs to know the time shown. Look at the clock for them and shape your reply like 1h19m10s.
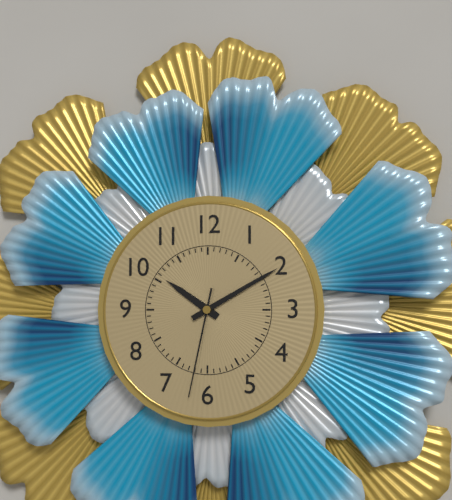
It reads 10h10m32s
